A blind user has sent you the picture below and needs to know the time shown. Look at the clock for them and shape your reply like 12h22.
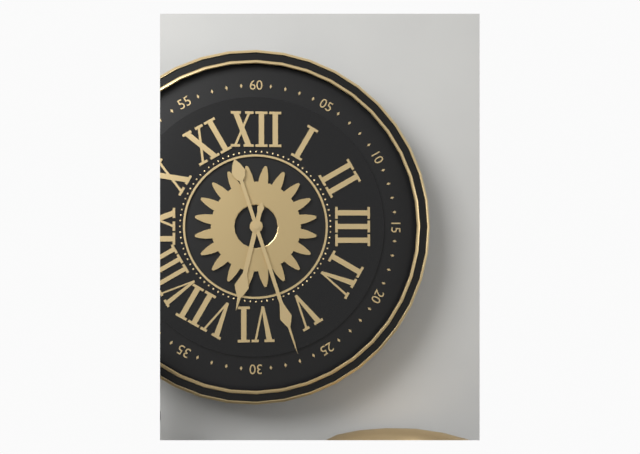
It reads 6h27
